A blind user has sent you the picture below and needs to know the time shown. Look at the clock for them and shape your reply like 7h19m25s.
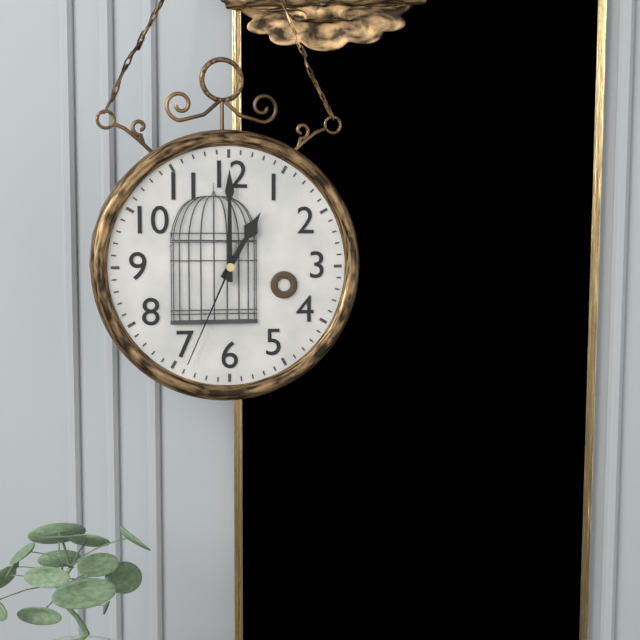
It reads 1h00m34s
